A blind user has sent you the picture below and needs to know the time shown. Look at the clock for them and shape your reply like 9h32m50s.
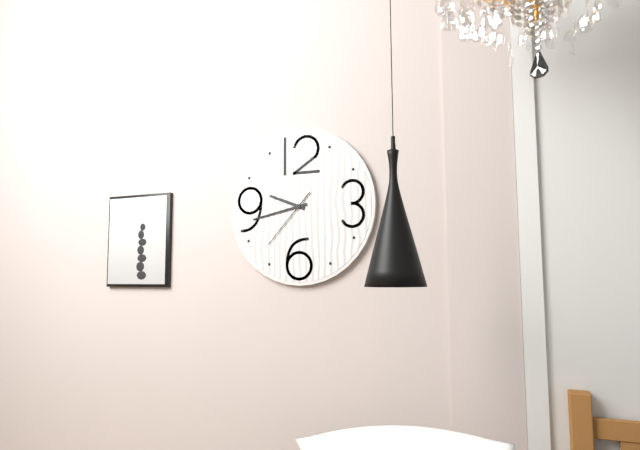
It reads 9h43m37s
